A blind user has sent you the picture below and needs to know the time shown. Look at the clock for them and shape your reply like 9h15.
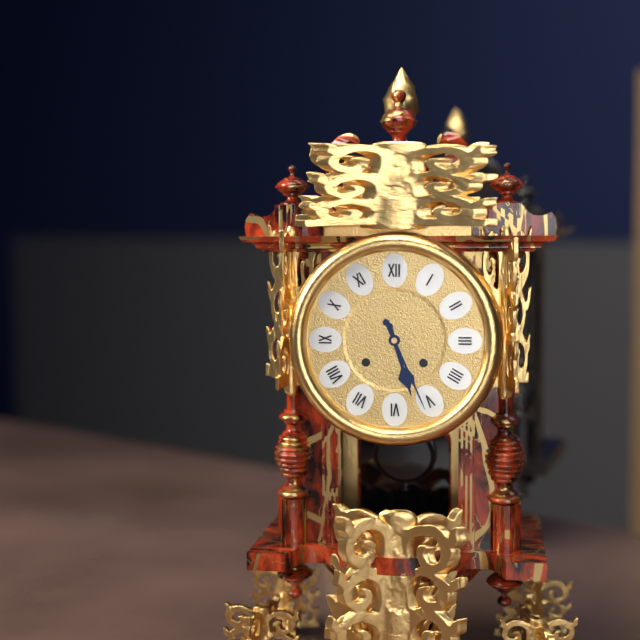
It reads 5h26
